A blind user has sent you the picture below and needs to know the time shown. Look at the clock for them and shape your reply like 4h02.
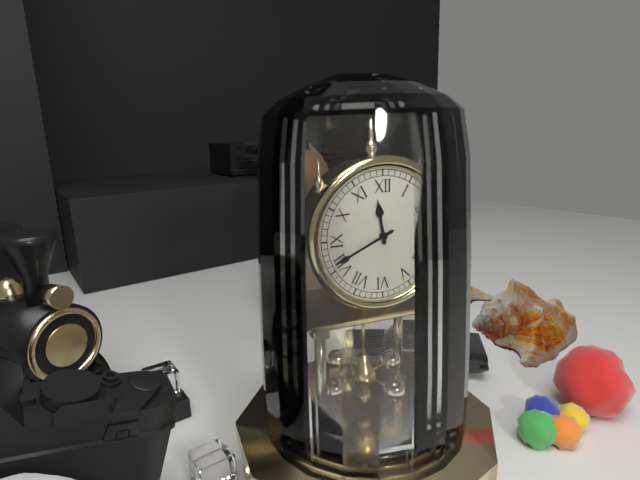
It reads 11h41
